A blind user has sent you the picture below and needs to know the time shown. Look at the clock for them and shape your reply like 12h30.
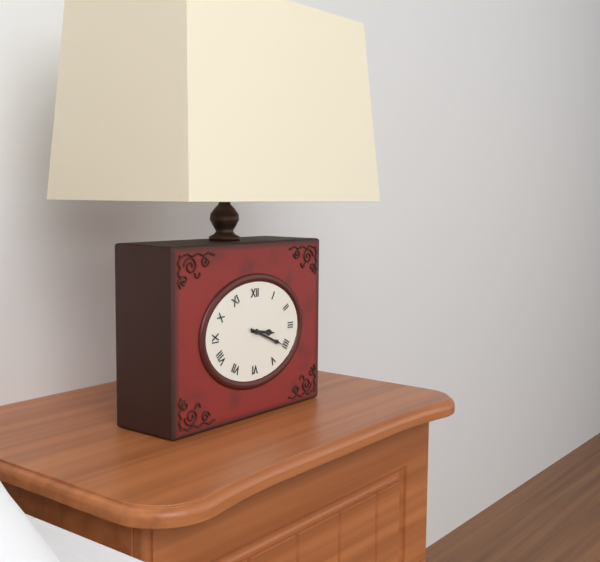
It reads 3h19
